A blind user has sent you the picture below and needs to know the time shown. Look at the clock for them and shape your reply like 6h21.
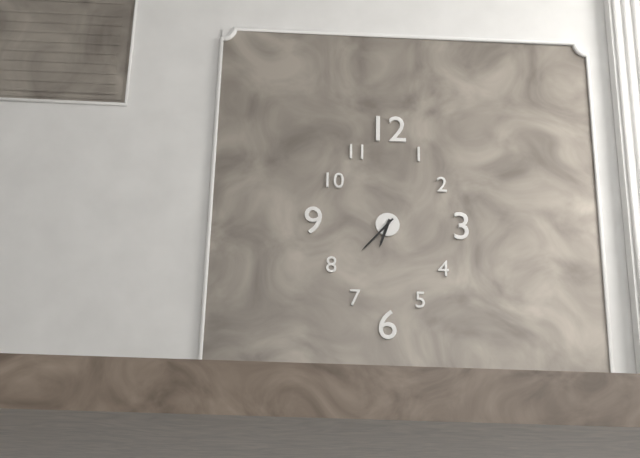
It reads 6h37
